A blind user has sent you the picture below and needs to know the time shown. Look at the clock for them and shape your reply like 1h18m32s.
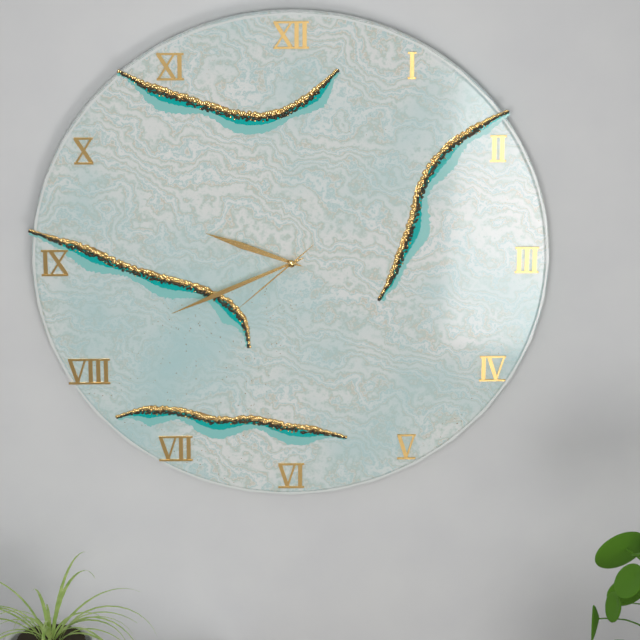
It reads 9h41m38s
